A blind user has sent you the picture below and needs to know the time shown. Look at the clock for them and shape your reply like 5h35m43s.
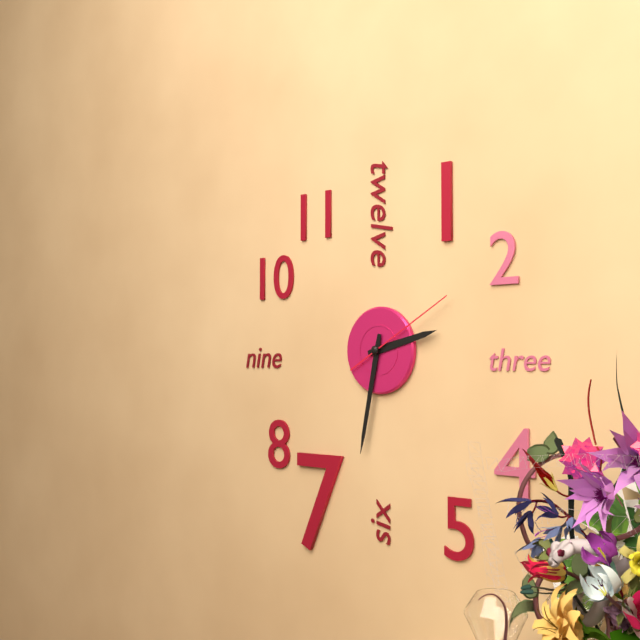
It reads 2h32m10s
